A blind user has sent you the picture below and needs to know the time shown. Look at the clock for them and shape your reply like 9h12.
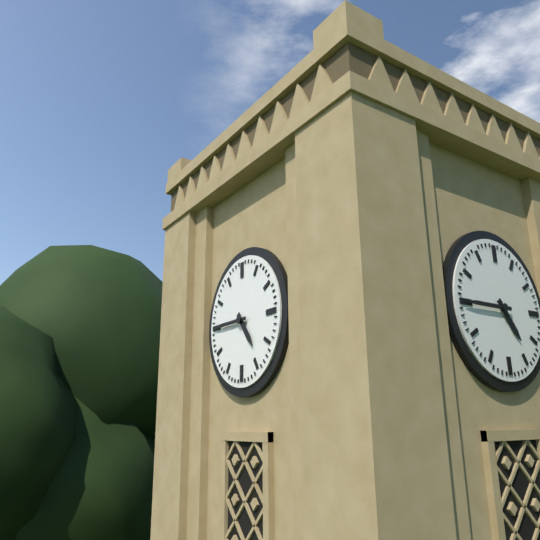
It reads 4h45
